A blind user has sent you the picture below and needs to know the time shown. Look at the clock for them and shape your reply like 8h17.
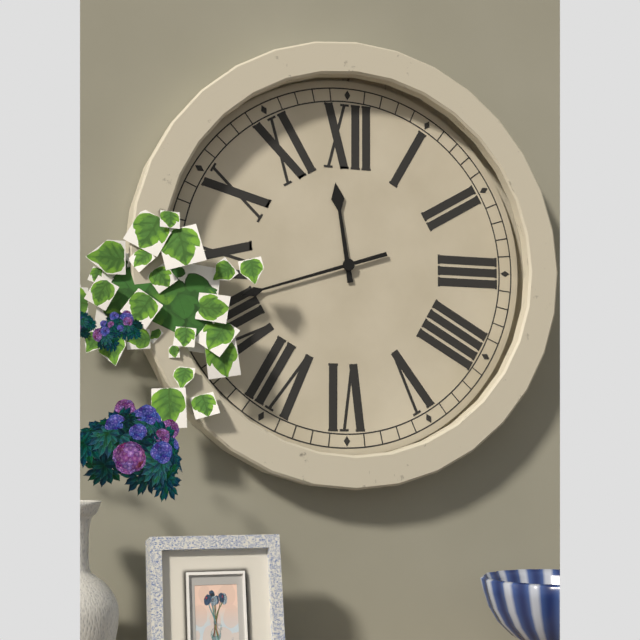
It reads 11h42
